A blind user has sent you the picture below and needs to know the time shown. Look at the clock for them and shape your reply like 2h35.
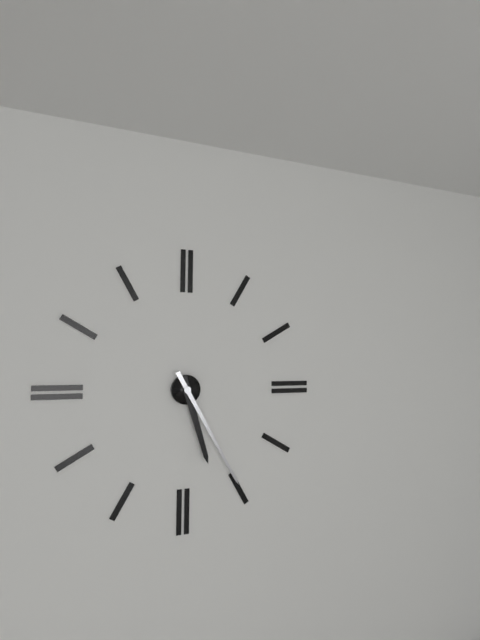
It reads 5h25
